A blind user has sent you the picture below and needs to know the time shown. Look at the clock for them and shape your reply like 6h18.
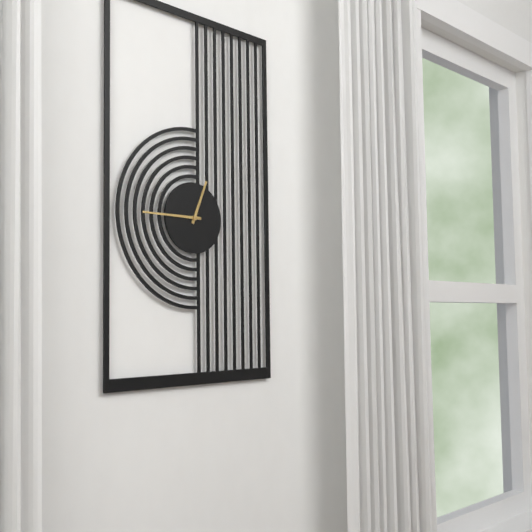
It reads 12h45
